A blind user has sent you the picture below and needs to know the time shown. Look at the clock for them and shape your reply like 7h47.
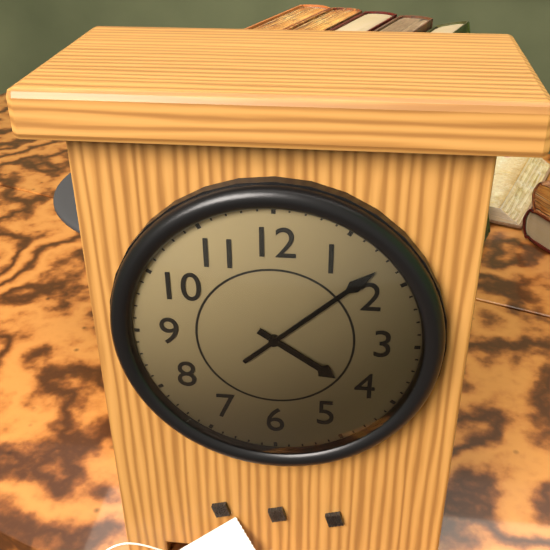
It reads 4h08
